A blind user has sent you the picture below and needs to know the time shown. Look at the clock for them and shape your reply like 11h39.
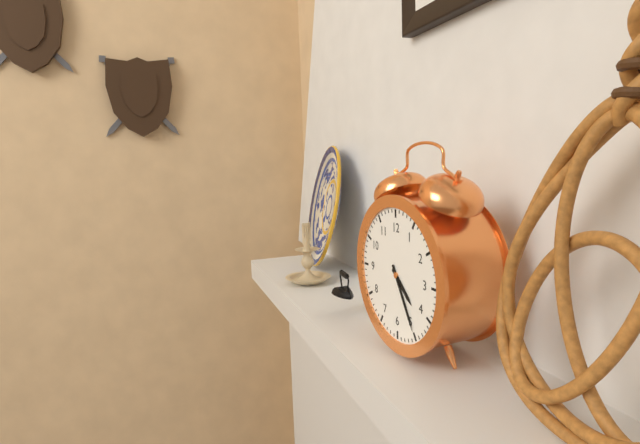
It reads 4h25
